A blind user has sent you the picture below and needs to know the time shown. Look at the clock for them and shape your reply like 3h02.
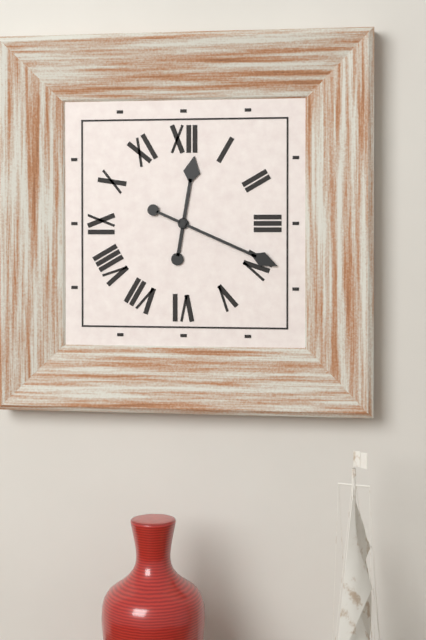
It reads 12h19
